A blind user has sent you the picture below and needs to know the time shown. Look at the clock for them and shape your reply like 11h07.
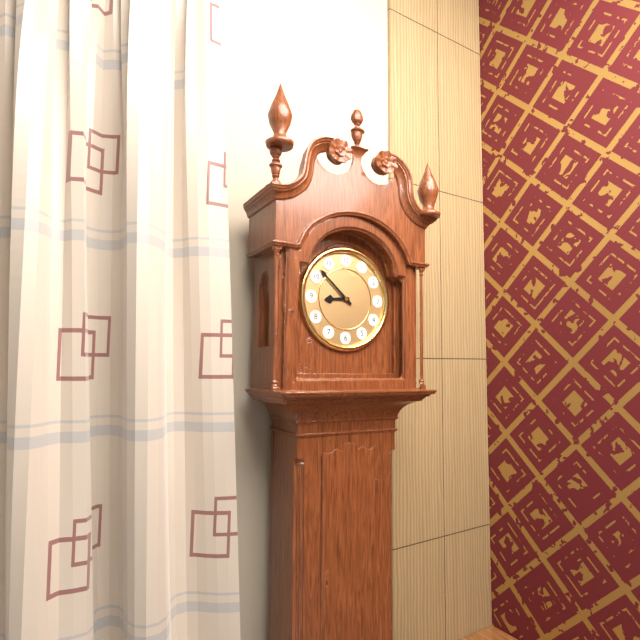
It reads 8h52
